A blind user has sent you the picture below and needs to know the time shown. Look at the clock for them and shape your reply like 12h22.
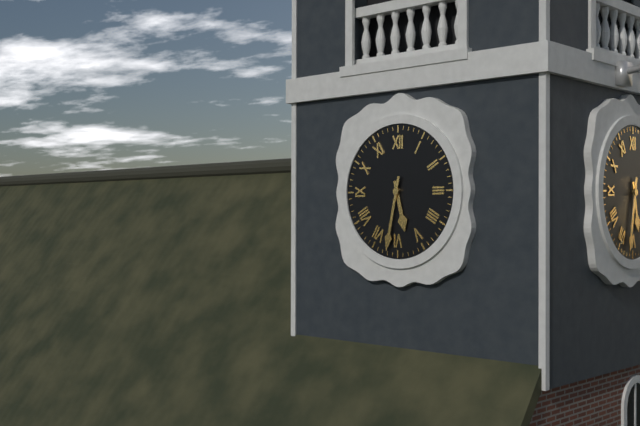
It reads 5h32
